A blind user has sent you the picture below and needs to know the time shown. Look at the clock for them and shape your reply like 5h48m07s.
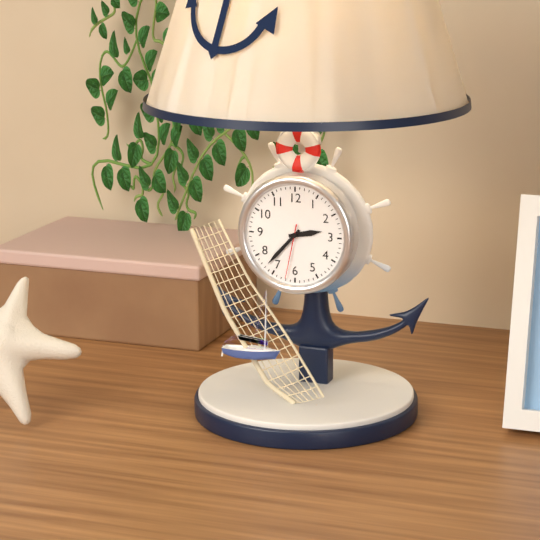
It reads 2h37m32s
